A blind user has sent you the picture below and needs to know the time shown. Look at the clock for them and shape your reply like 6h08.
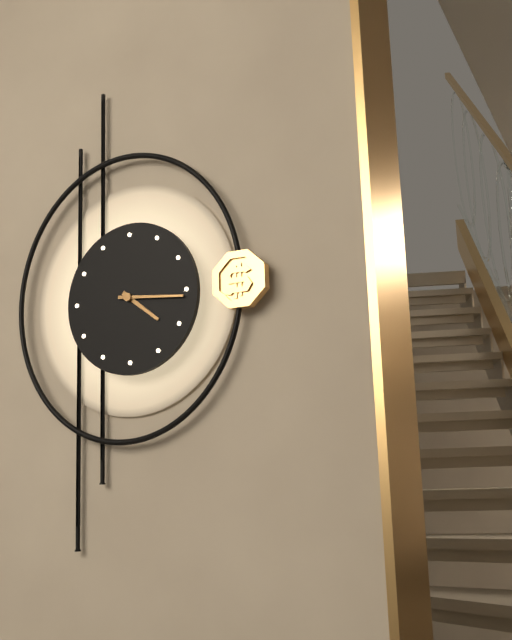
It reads 4h16
